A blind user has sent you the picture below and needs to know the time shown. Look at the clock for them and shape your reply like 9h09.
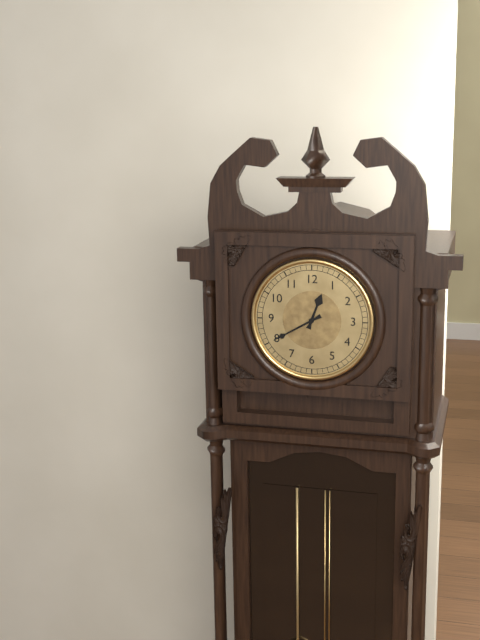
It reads 12h40
